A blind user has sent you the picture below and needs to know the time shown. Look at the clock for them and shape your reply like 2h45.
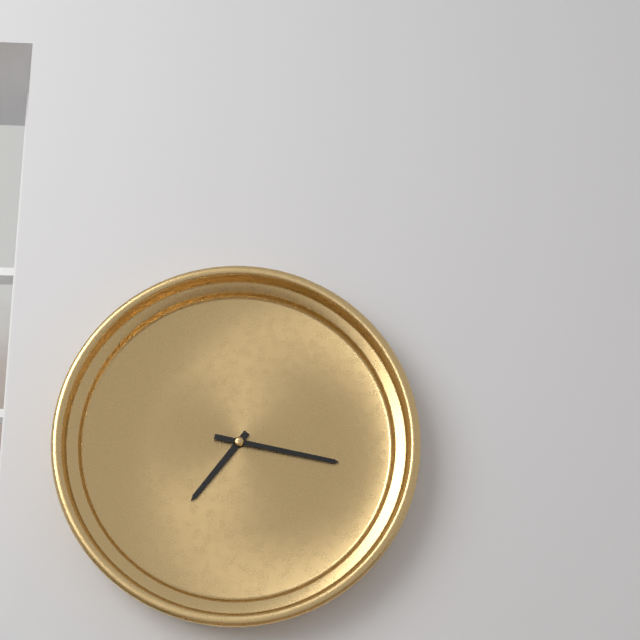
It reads 7h17
